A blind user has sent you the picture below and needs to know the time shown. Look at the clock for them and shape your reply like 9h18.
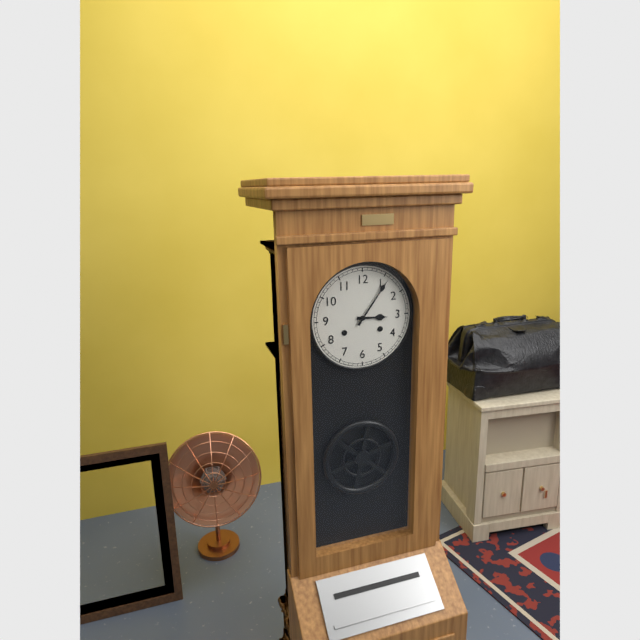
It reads 3h06
